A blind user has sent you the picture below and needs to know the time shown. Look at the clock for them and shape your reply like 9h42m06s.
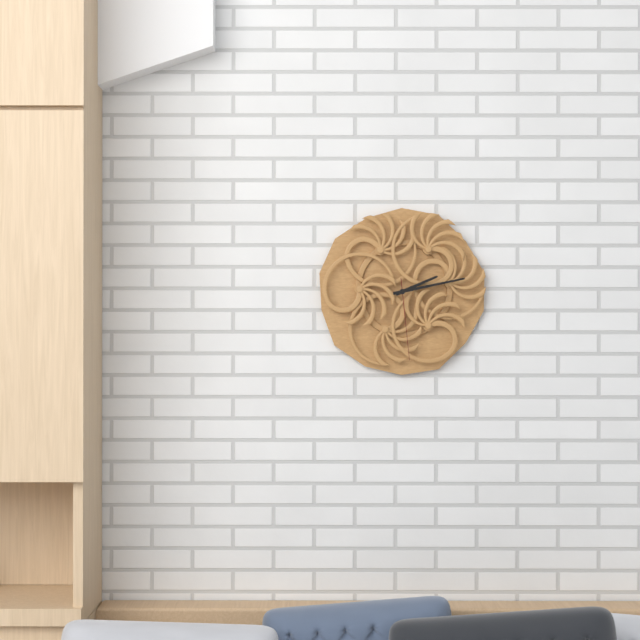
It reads 2h13m29s
